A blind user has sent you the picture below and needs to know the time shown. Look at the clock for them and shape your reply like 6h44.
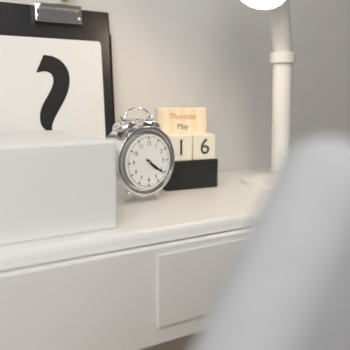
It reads 4h21
